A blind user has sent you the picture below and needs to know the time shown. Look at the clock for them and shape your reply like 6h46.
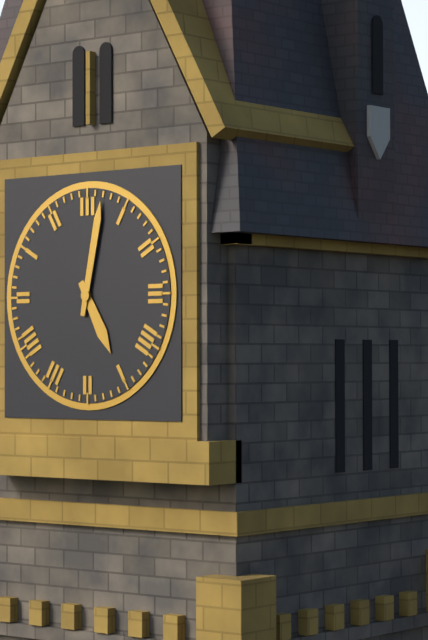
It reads 5h02
